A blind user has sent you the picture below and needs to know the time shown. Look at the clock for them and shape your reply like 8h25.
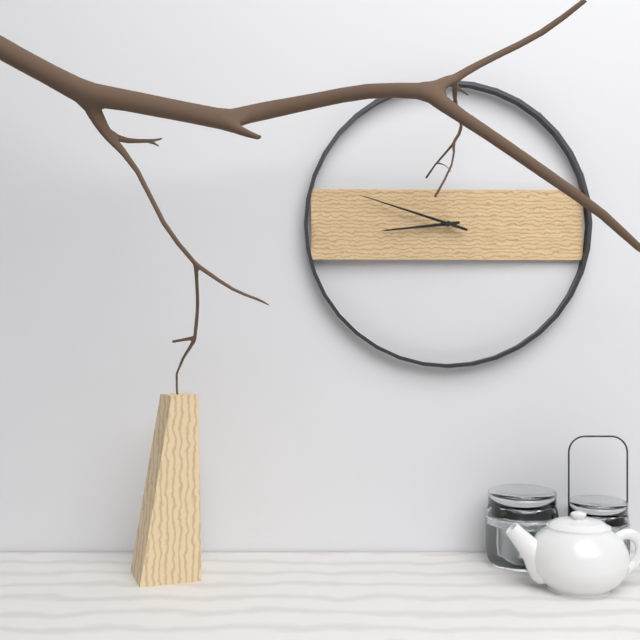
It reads 8h48
